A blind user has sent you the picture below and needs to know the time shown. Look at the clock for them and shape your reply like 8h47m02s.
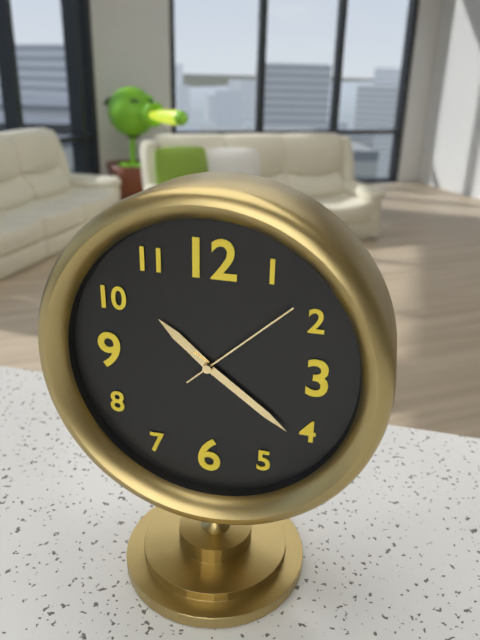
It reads 10h21m08s
